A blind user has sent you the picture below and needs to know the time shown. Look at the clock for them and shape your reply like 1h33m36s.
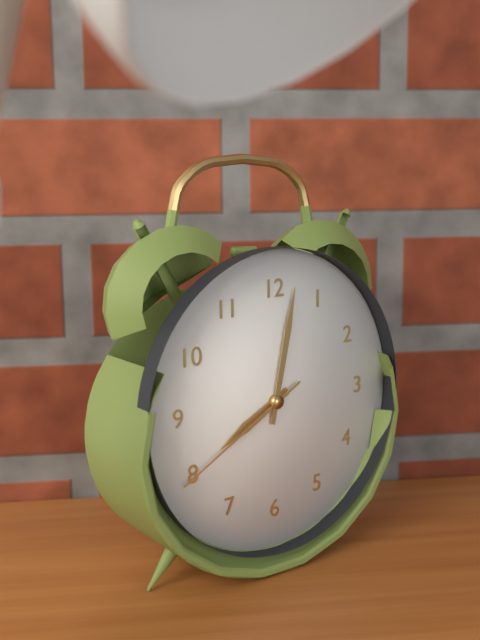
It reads 8h02m40s
